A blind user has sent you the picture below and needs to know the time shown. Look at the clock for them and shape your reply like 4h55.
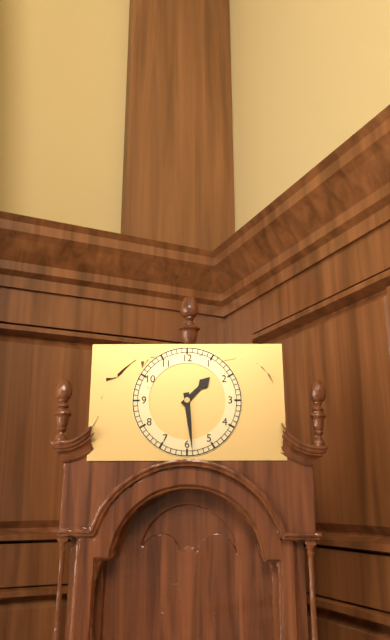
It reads 1h29
